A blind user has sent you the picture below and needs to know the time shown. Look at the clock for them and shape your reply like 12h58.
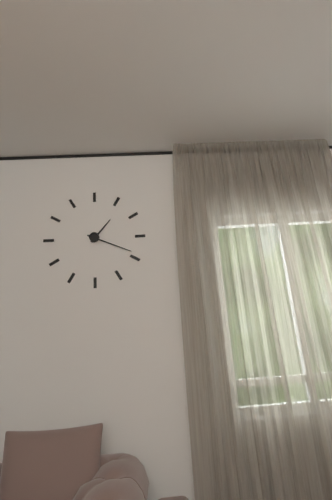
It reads 1h19
